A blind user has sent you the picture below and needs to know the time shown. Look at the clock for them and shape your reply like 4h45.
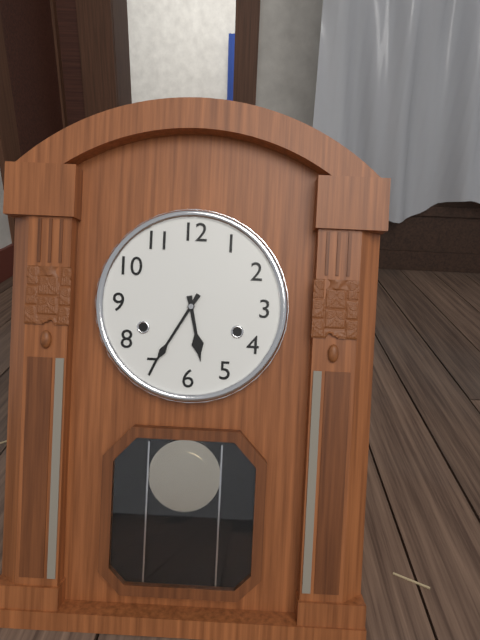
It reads 5h35
